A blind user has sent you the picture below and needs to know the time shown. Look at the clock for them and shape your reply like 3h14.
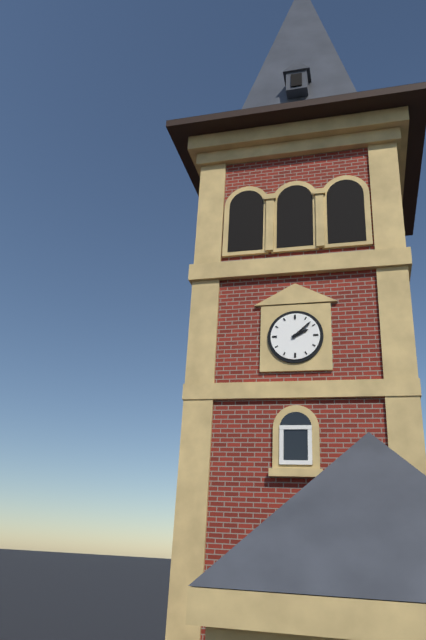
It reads 2h08
